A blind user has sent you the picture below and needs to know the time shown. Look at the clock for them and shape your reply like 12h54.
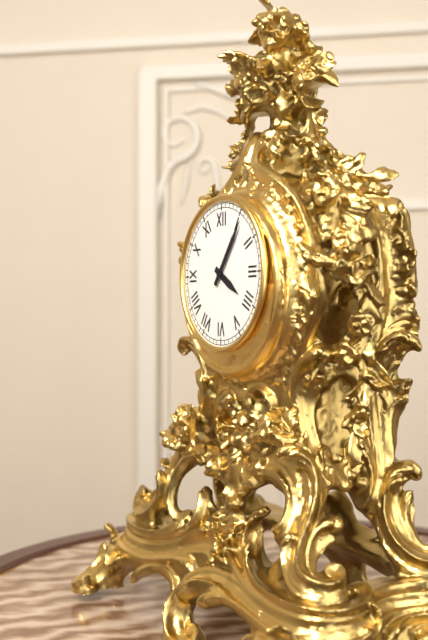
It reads 4h06
